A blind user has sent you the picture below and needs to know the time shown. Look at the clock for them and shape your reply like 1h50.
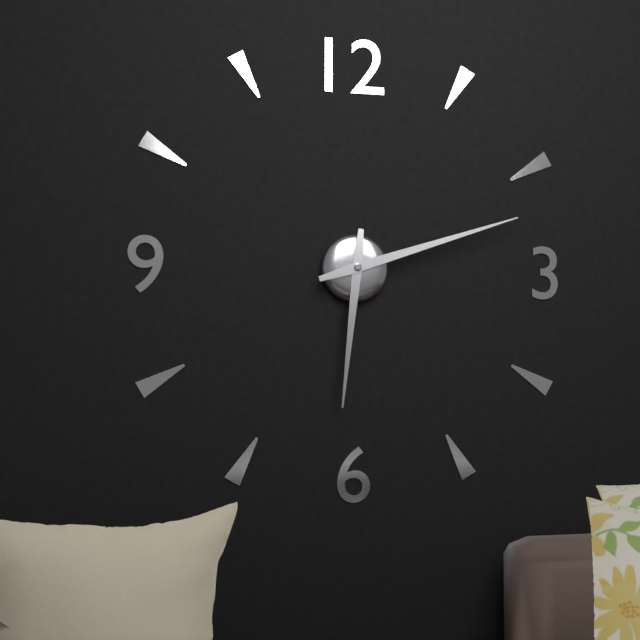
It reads 6h12
